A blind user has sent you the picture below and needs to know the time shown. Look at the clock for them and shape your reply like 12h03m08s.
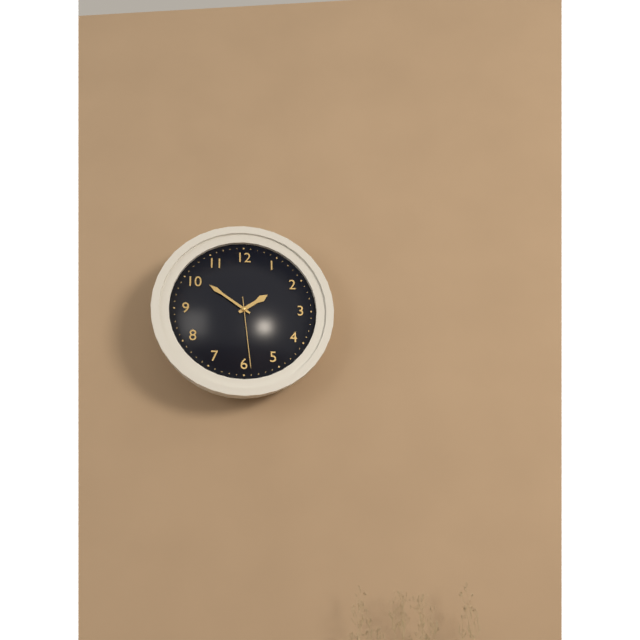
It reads 1h51m29s
